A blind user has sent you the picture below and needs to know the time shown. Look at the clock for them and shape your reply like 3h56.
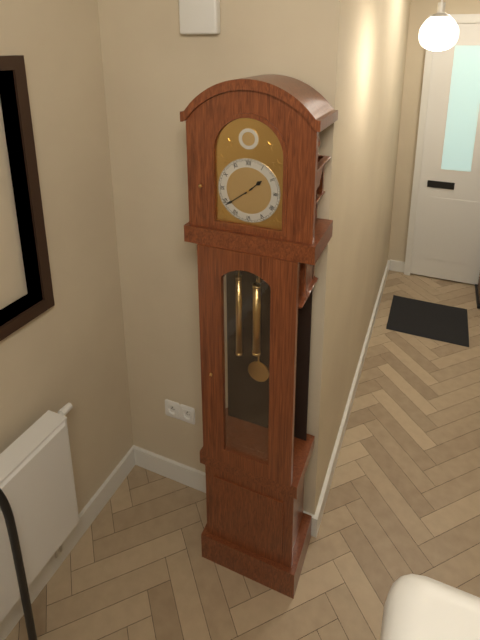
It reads 1h39
